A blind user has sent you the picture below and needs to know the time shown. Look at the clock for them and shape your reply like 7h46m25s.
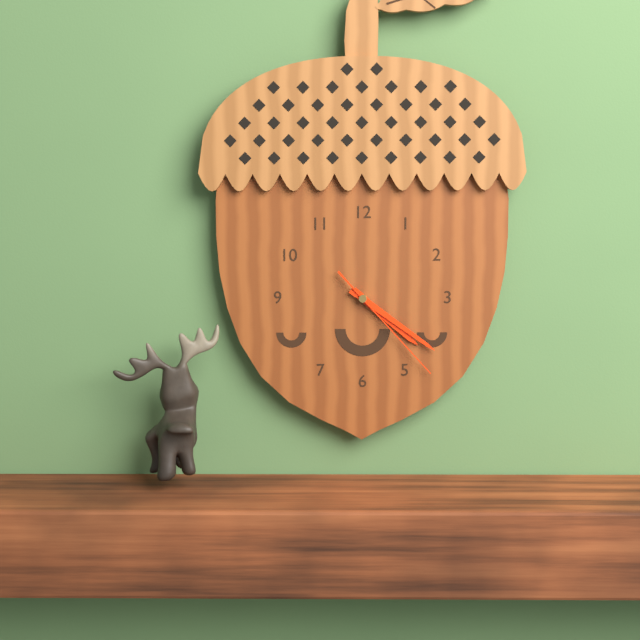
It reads 4h21m23s
